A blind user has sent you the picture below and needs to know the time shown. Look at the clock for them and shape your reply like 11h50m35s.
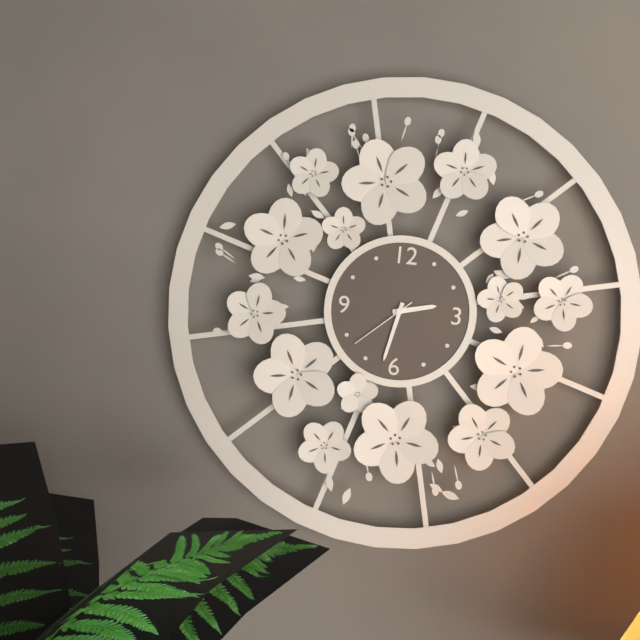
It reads 2h32m38s
